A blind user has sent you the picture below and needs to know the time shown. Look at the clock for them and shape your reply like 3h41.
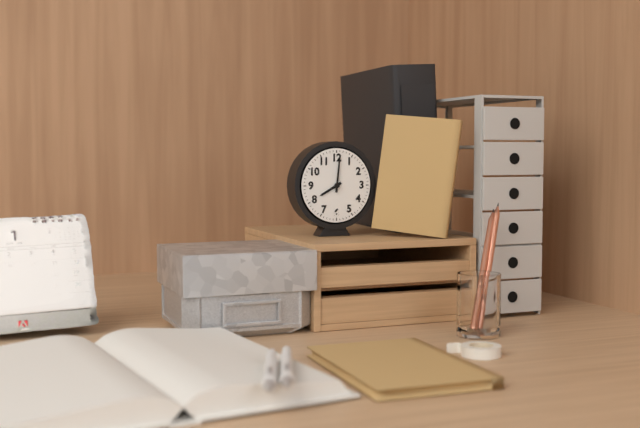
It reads 8h01
